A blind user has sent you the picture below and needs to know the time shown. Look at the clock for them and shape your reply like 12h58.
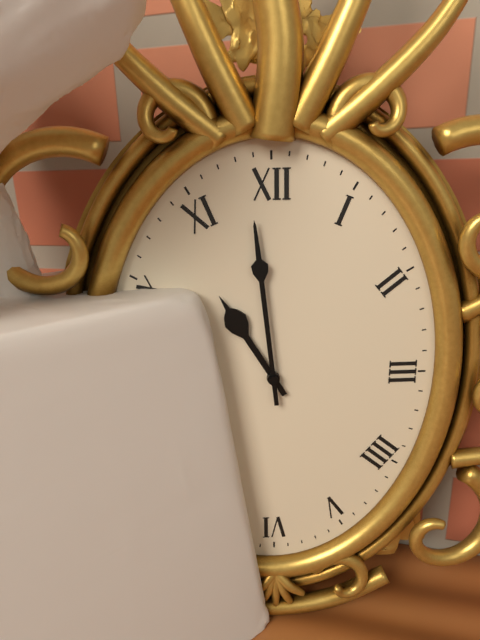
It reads 10h59
